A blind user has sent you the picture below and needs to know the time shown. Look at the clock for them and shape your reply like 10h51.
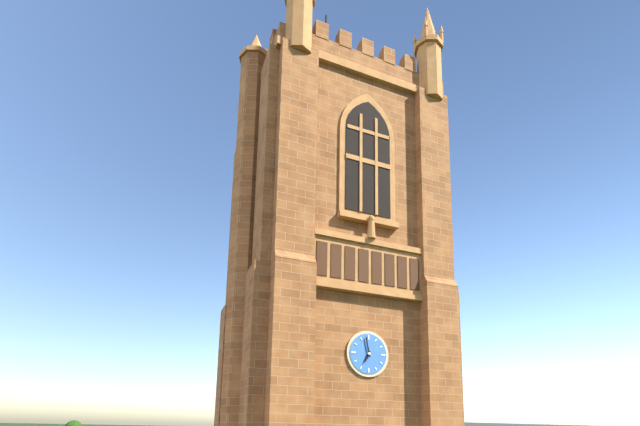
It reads 6h58
